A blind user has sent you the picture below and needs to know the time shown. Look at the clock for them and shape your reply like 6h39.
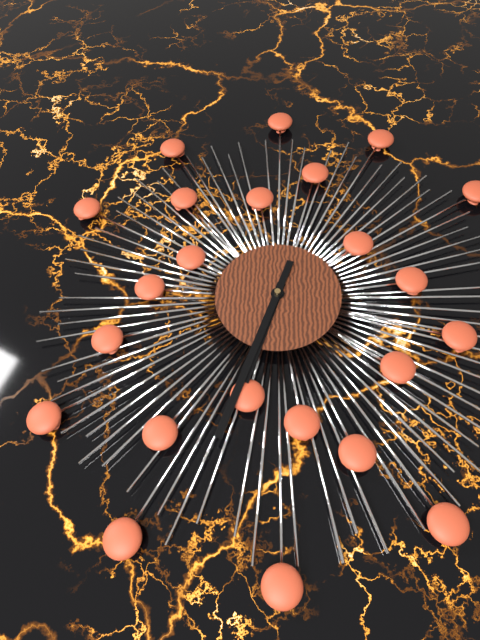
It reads 6h33
